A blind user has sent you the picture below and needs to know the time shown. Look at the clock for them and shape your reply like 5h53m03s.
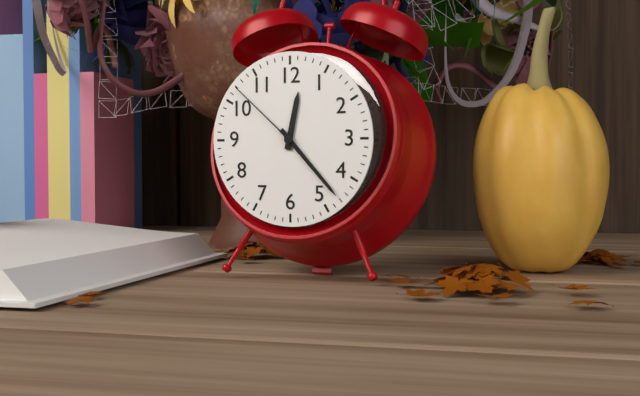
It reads 12h23m52s
